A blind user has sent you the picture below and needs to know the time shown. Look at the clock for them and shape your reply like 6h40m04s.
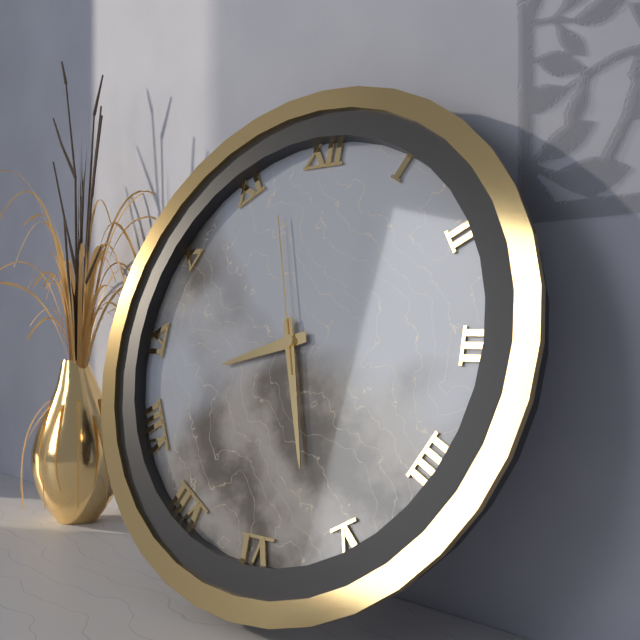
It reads 8h27m57s
